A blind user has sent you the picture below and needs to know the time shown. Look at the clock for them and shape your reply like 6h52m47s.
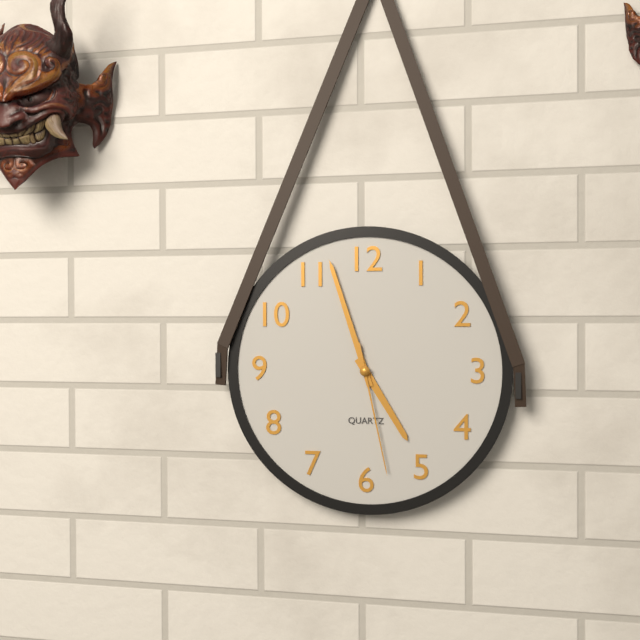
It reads 4h57m28s
